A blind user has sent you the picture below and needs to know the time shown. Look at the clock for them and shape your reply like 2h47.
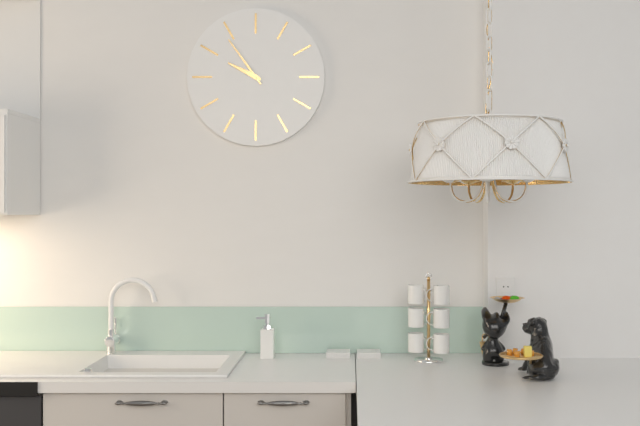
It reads 9h54
